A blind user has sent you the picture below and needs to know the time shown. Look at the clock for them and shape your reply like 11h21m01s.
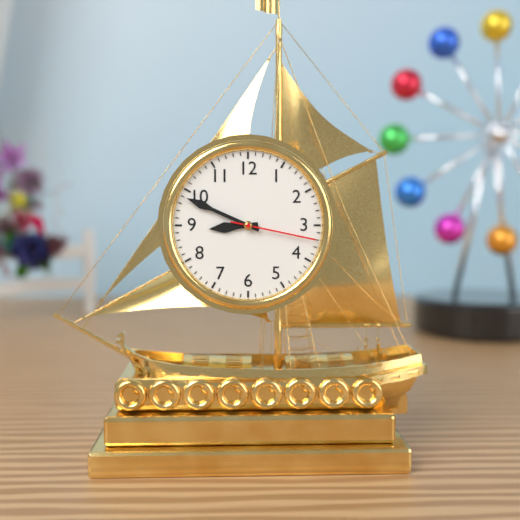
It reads 8h49m17s
